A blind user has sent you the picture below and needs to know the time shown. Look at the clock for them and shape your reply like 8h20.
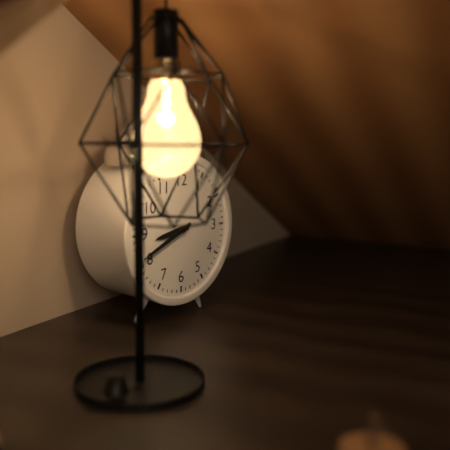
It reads 8h41
